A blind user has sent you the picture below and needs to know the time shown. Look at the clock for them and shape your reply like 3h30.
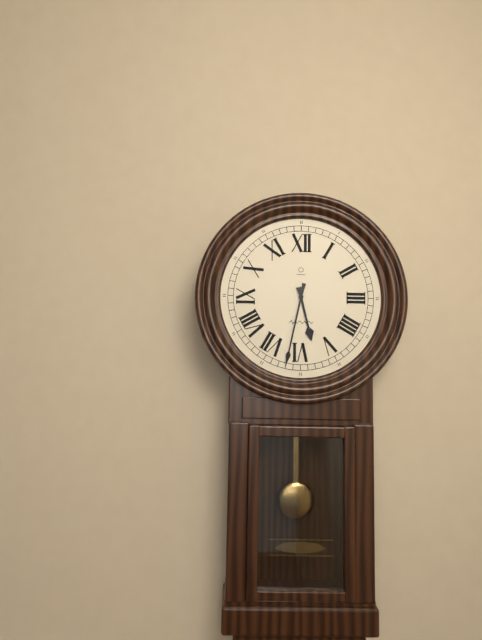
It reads 5h32
